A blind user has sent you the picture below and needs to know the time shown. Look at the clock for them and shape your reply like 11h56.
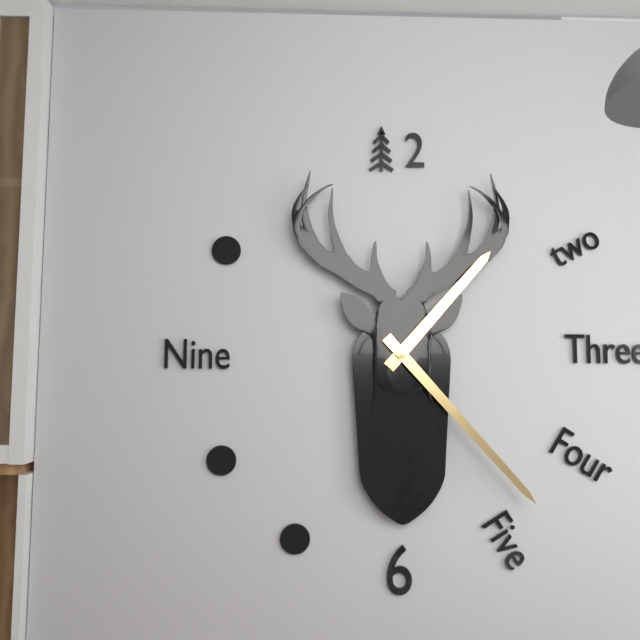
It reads 1h23
